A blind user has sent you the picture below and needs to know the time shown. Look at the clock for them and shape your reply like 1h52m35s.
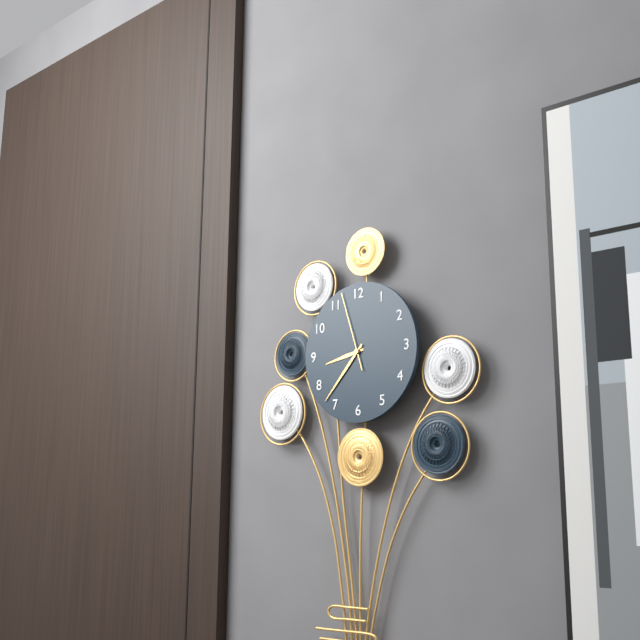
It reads 8h37m57s
